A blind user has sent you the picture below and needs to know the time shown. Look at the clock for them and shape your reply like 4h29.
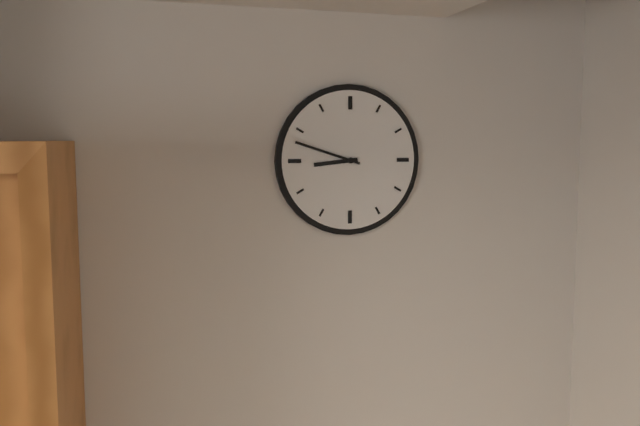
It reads 8h48
